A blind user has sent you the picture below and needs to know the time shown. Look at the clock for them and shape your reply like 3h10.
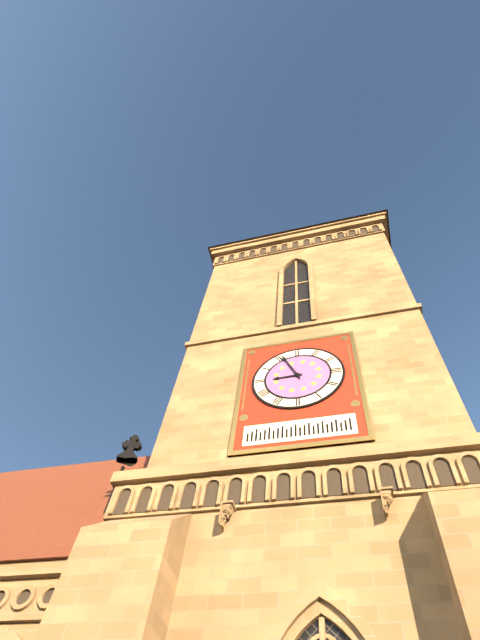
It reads 8h56
